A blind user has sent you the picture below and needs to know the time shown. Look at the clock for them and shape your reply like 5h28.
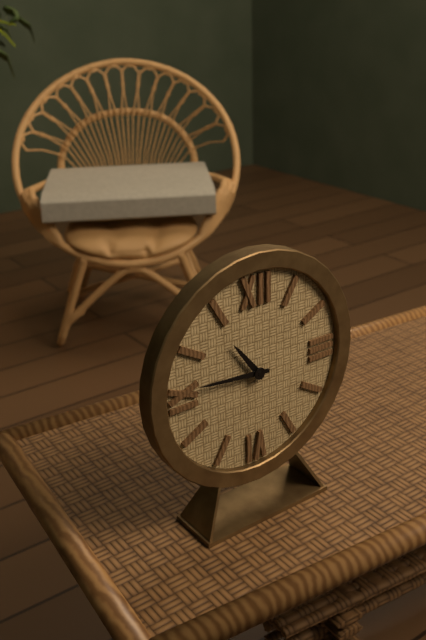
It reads 10h46
